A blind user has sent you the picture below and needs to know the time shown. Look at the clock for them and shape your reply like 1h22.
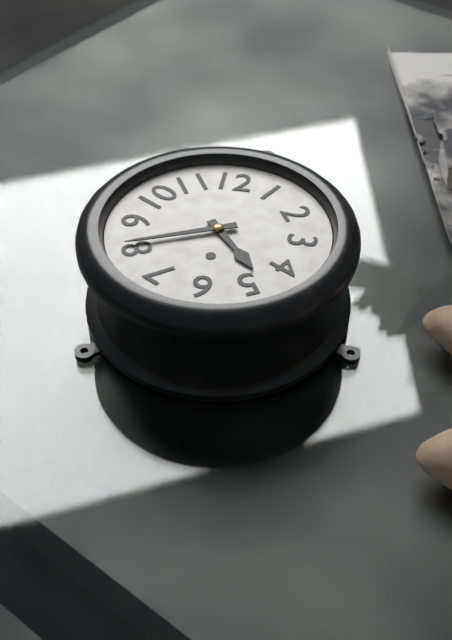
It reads 4h41
